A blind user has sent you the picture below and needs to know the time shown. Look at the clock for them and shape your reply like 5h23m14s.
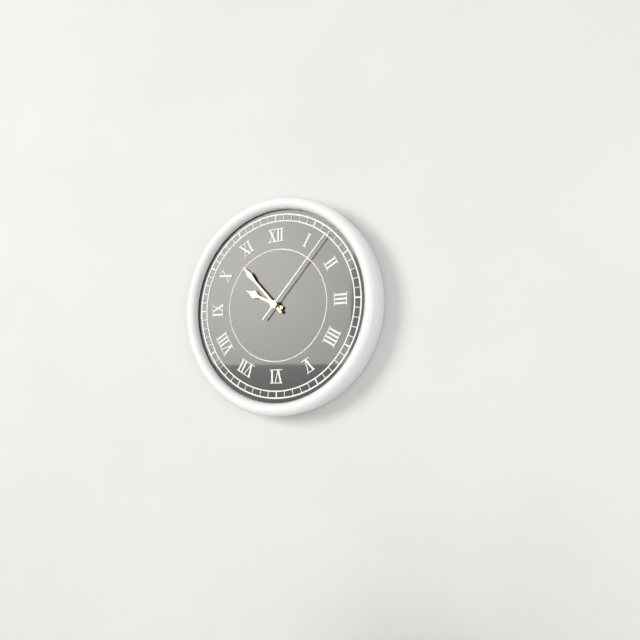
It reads 9h53m07s
